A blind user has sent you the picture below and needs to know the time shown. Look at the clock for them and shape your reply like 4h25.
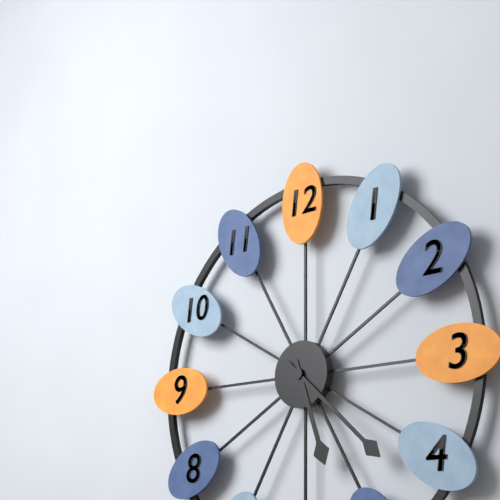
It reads 5h22
